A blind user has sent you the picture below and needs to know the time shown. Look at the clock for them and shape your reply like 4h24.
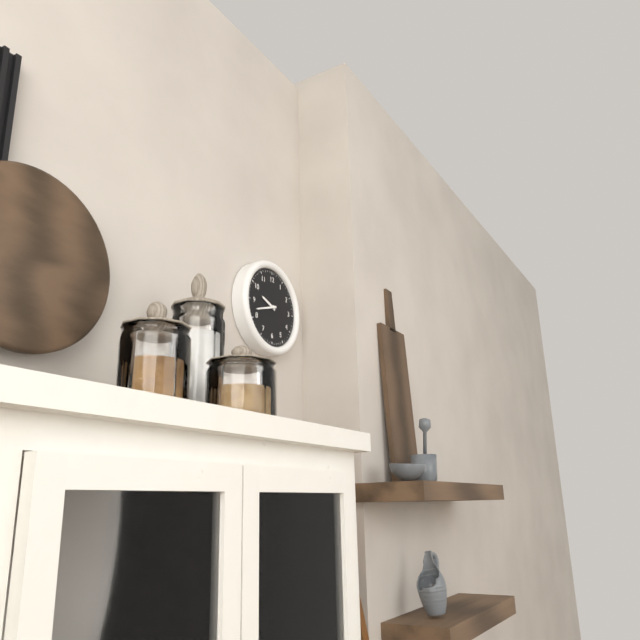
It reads 9h42
